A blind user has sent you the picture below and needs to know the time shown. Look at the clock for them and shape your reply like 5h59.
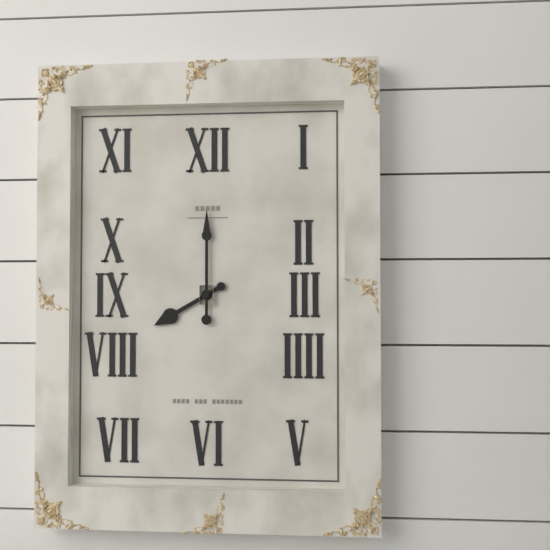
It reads 8h00
